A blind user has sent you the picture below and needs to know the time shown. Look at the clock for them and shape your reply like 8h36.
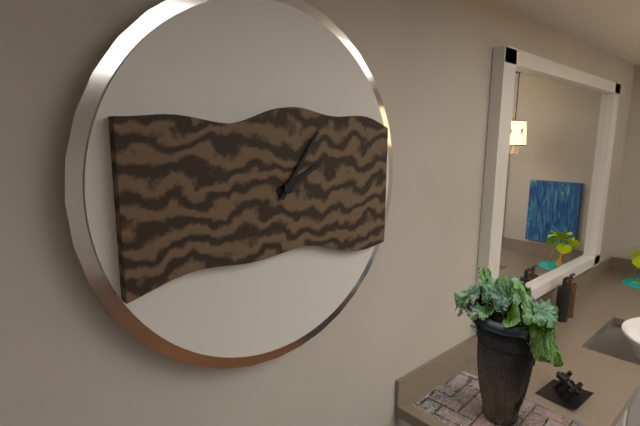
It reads 2h06
